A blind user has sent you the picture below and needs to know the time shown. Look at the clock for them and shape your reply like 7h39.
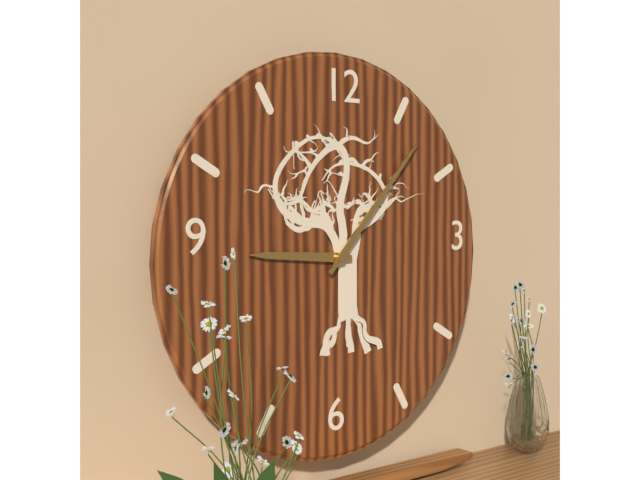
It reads 9h07
